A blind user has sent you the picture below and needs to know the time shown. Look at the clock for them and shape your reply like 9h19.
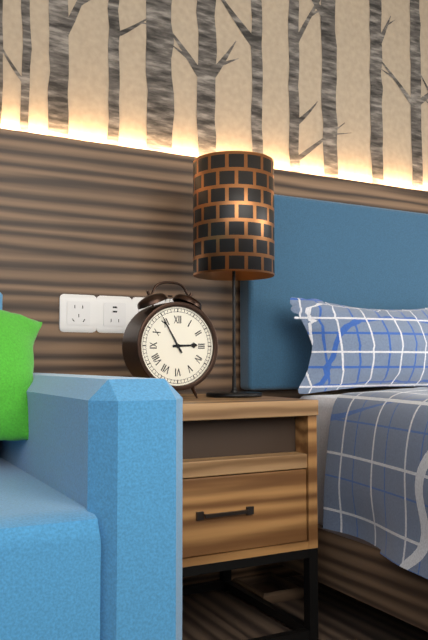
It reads 2h55
